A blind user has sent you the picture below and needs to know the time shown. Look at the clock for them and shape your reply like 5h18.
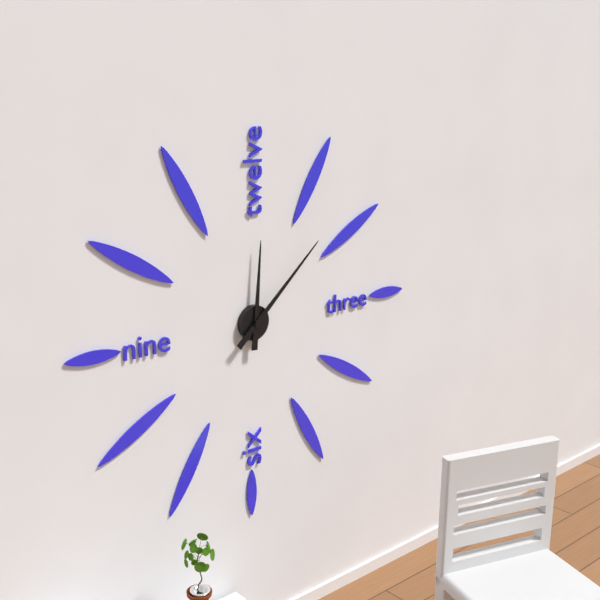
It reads 12h08
